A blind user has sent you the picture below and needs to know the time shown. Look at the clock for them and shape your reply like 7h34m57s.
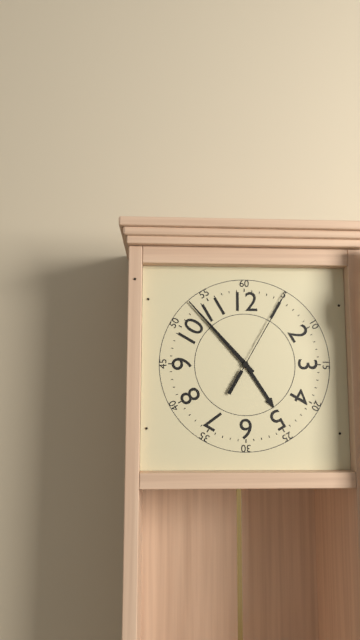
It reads 4h53m05s
